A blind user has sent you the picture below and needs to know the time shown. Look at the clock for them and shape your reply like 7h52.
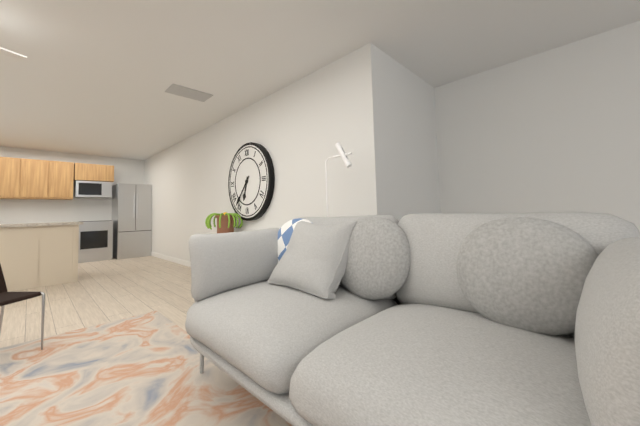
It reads 6h37
